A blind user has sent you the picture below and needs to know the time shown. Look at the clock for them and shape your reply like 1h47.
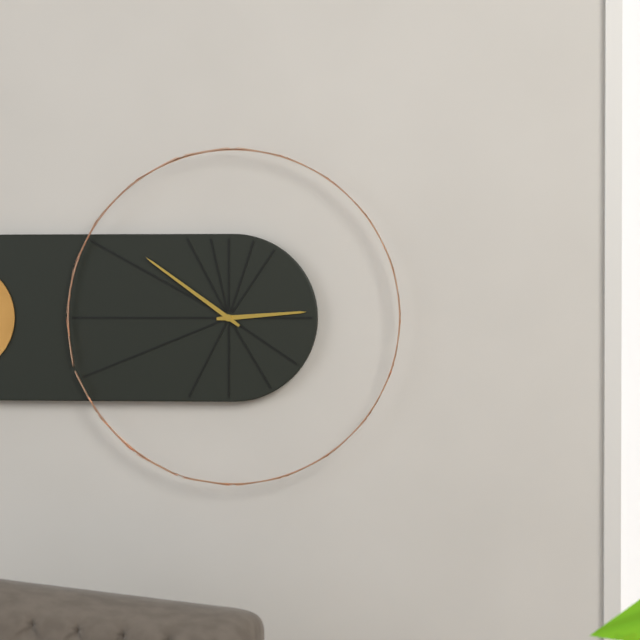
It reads 2h51
